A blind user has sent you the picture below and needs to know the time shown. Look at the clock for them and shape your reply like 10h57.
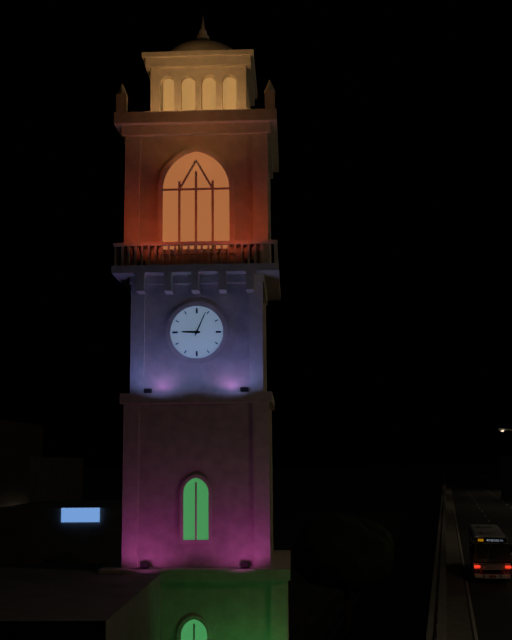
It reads 9h04
